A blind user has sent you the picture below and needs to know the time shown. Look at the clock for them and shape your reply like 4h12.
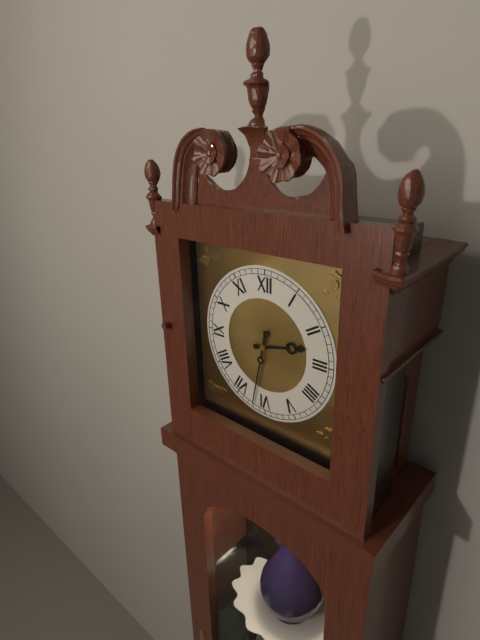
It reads 2h32
